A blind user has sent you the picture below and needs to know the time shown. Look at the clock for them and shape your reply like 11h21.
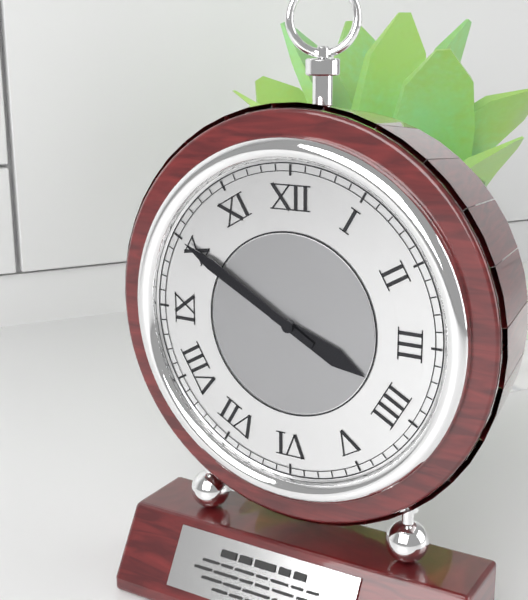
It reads 3h50
